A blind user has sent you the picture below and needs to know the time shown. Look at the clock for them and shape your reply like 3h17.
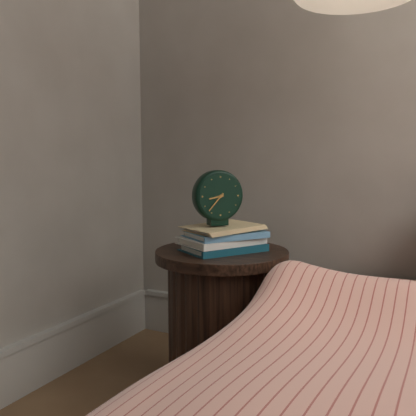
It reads 8h37
